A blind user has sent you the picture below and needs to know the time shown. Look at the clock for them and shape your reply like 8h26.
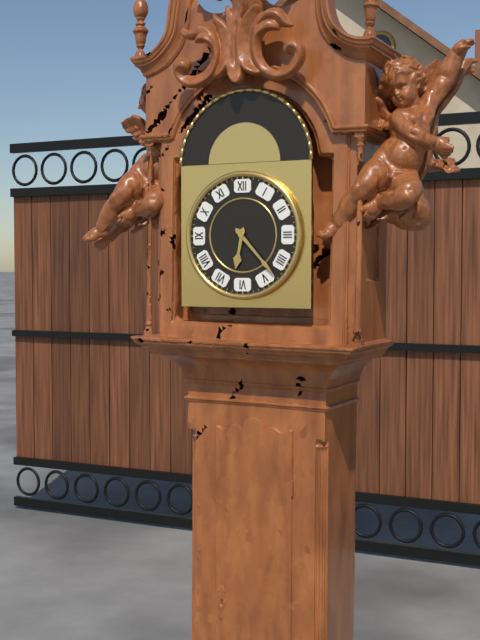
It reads 6h23
